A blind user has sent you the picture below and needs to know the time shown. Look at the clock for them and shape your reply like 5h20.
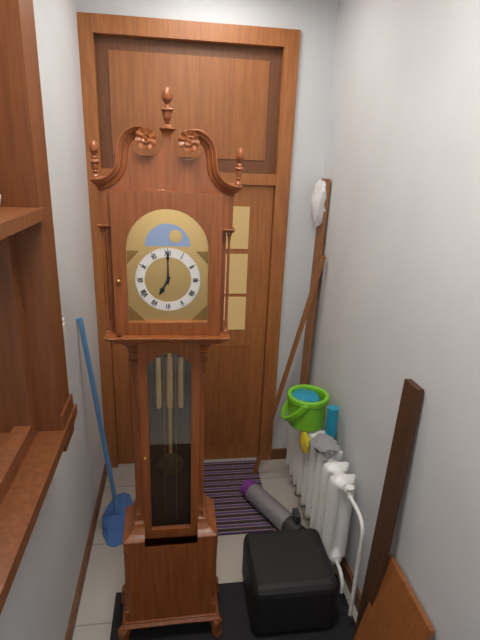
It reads 7h00
